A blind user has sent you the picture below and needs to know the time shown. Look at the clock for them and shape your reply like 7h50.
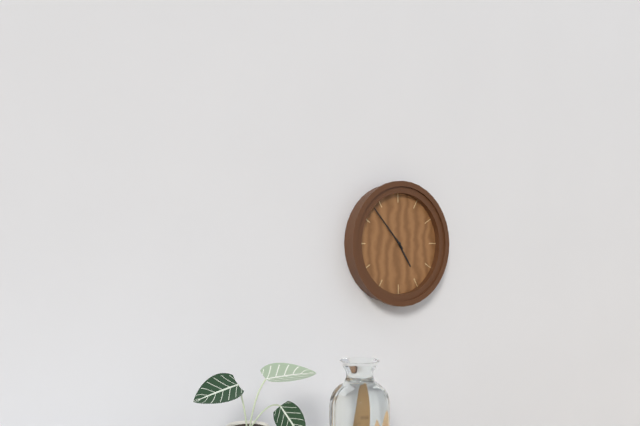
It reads 4h53
